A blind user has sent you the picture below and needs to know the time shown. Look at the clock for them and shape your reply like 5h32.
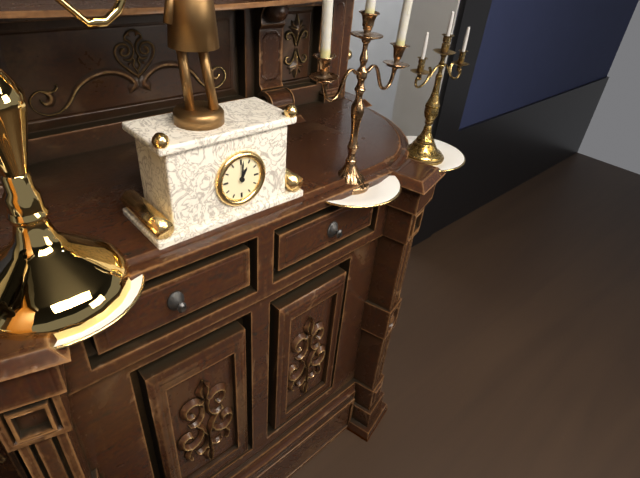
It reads 1h01
